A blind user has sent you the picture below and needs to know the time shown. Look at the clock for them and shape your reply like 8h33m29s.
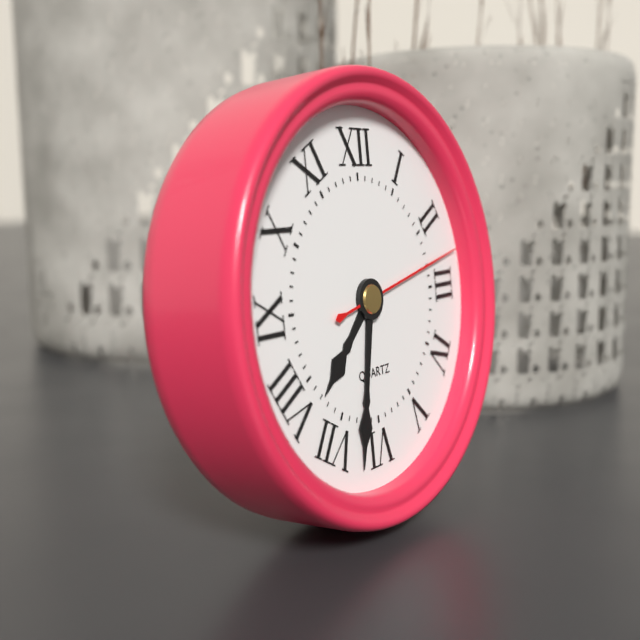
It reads 7h32m13s
